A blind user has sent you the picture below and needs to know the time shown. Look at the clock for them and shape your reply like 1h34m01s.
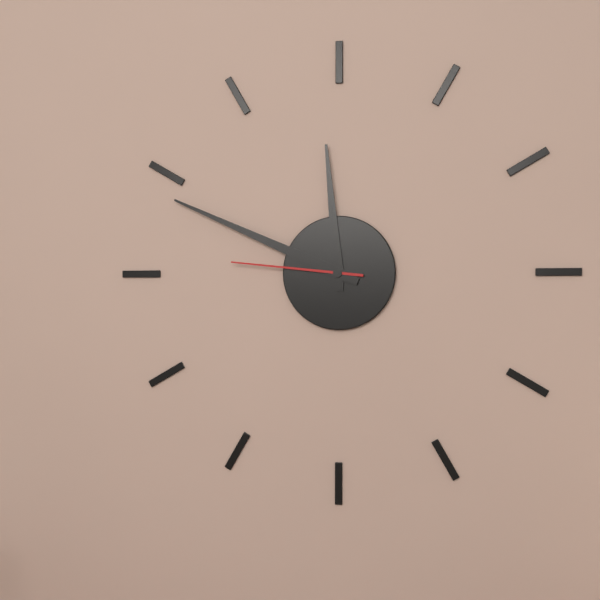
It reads 11h49m46s
